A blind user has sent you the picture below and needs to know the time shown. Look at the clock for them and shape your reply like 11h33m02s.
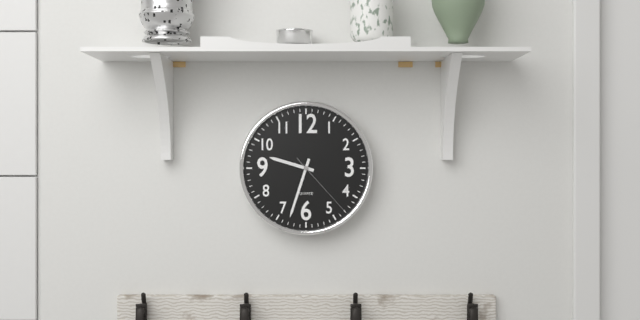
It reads 9h33m23s
